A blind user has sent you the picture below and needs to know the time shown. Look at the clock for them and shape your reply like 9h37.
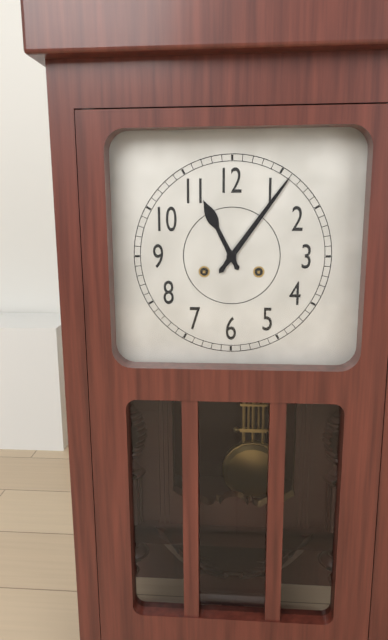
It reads 11h06
